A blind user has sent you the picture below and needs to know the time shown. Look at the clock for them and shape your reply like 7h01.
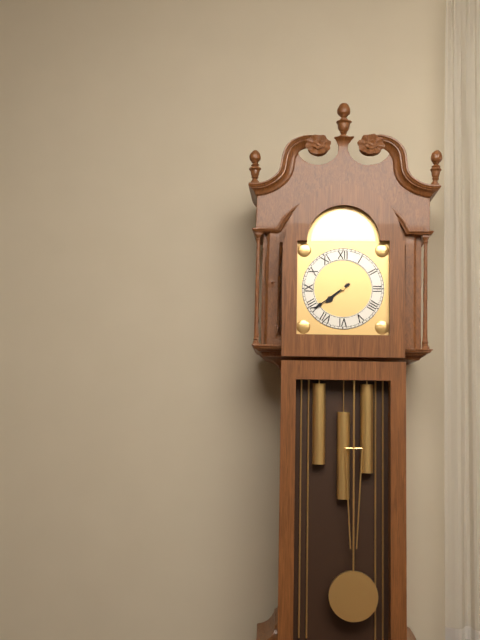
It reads 7h39
